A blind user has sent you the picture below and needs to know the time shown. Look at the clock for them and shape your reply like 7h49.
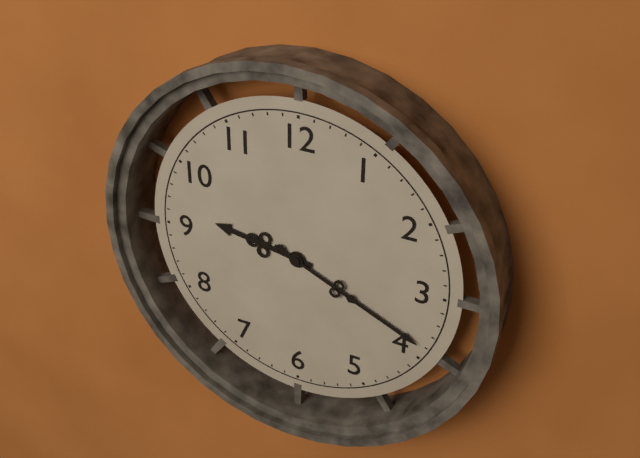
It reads 9h19
